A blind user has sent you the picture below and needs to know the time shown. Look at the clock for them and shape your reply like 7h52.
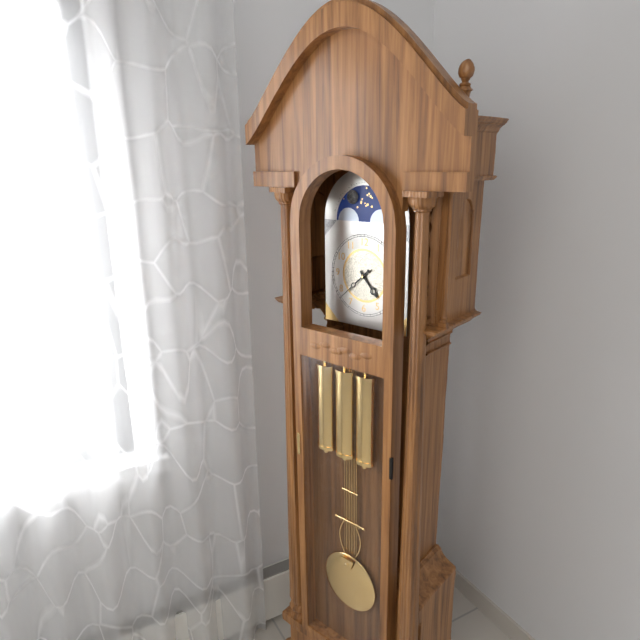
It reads 4h38
